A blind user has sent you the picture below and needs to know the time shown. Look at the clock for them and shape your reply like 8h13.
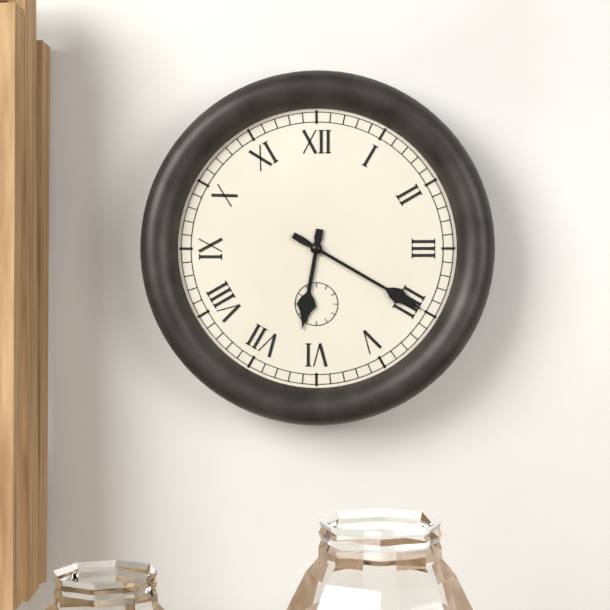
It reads 6h20
